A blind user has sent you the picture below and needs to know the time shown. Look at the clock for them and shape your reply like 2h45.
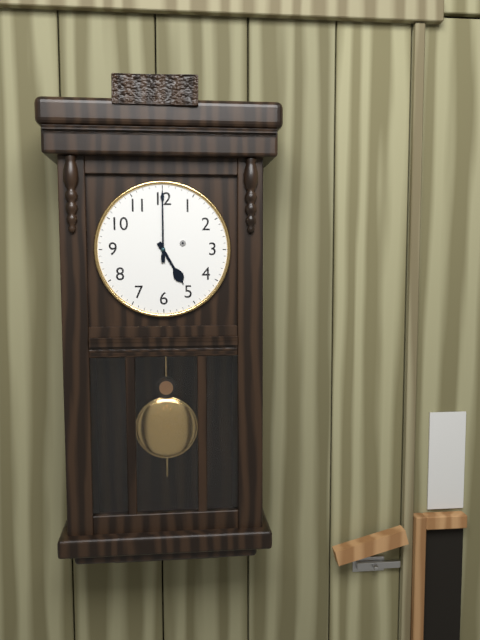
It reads 5h00
